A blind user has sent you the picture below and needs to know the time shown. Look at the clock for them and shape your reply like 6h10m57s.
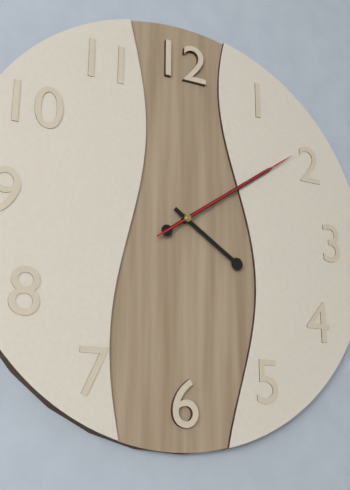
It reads 4h09m09s
